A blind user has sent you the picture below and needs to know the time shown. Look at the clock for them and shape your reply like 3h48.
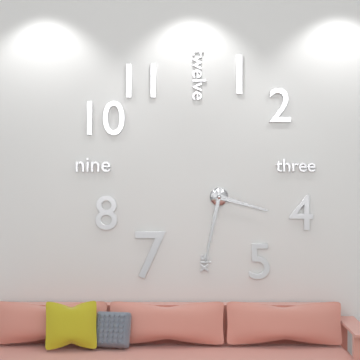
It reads 3h32
